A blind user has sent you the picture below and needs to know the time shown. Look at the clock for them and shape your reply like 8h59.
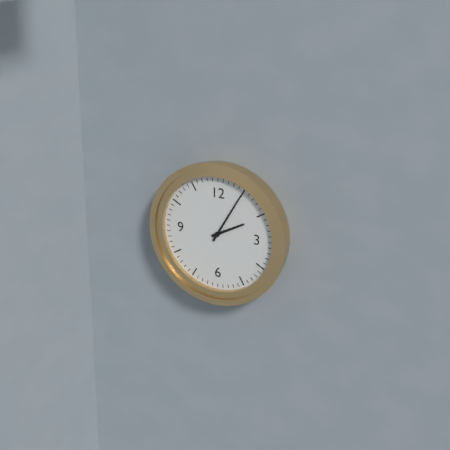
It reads 2h05
